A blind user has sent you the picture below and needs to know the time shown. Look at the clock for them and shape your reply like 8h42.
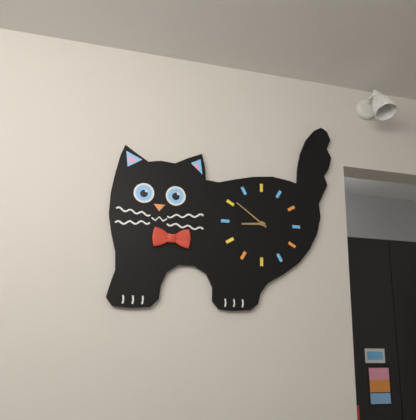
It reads 8h51
